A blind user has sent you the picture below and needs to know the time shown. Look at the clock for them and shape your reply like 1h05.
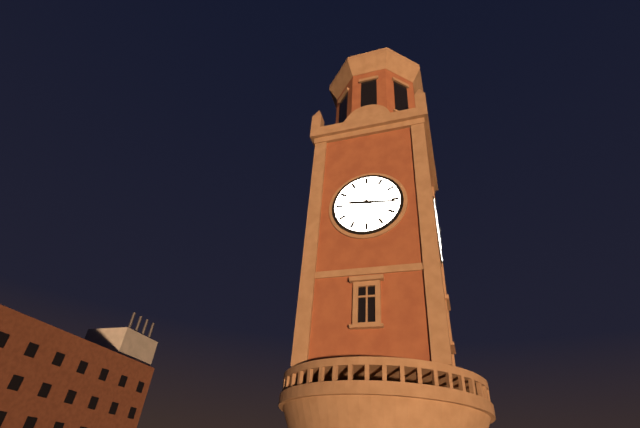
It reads 9h16
